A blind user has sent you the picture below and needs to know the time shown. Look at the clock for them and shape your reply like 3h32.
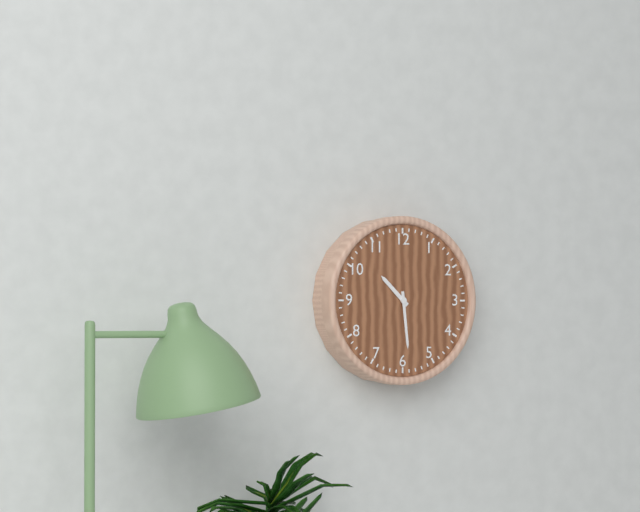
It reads 10h29
